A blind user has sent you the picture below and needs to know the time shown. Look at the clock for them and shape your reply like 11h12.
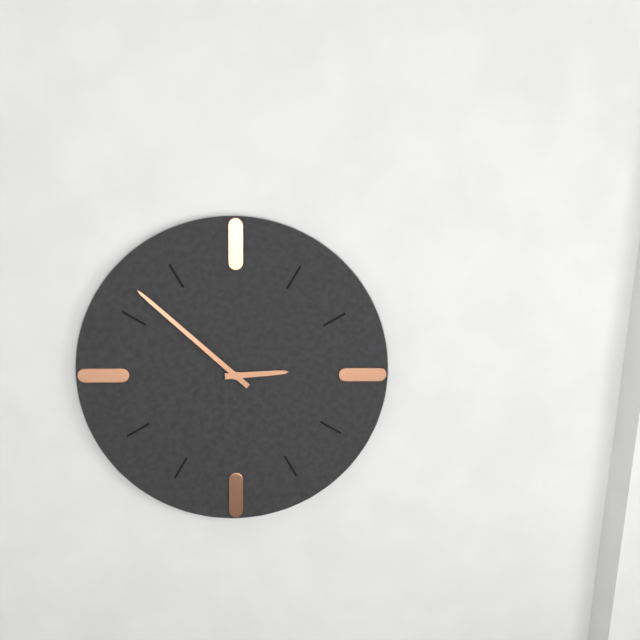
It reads 2h52
